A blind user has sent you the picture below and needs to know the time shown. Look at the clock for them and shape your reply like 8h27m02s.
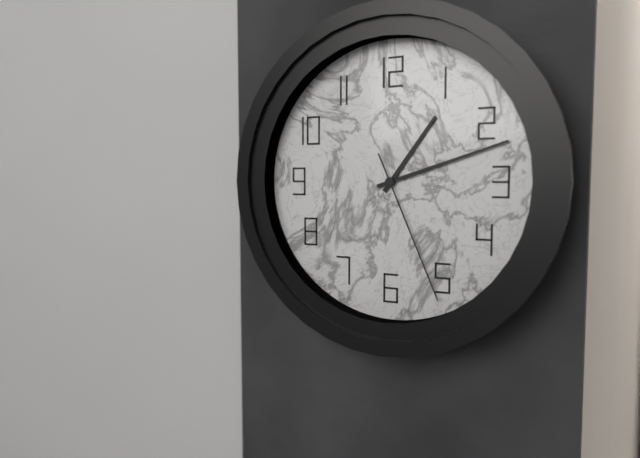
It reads 1h12m26s
